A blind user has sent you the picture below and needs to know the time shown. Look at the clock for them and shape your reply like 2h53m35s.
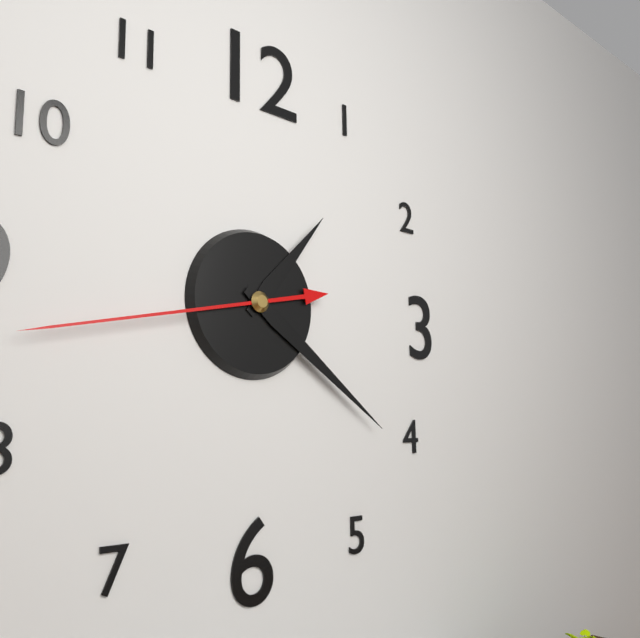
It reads 1h21m43s
